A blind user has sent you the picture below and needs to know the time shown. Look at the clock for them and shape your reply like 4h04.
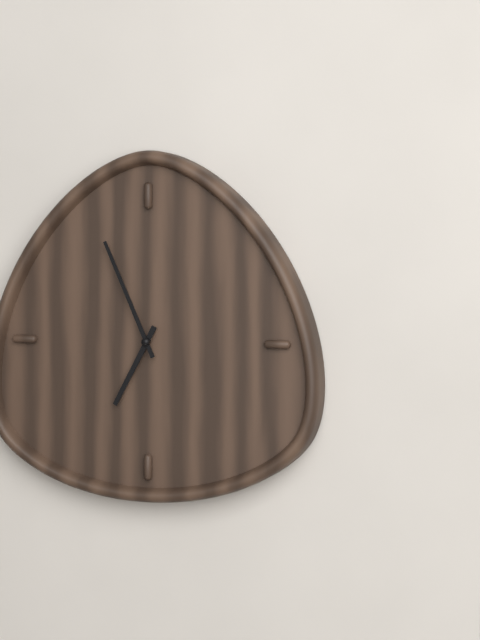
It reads 6h56
